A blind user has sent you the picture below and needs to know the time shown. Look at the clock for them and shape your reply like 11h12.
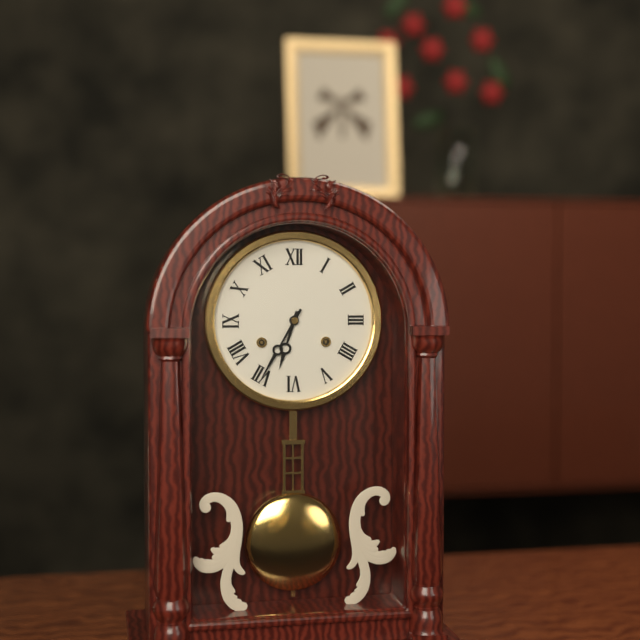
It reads 6h35
